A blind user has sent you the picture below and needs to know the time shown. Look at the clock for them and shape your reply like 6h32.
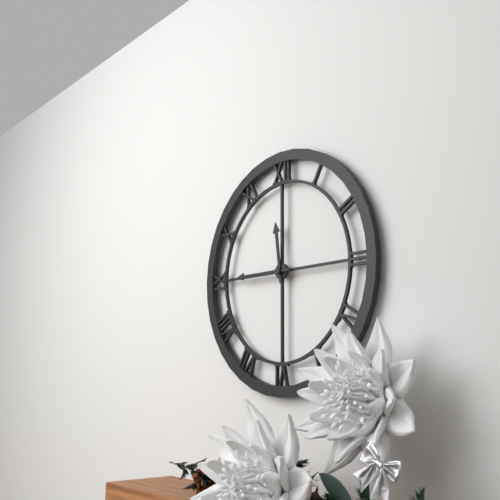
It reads 11h45
